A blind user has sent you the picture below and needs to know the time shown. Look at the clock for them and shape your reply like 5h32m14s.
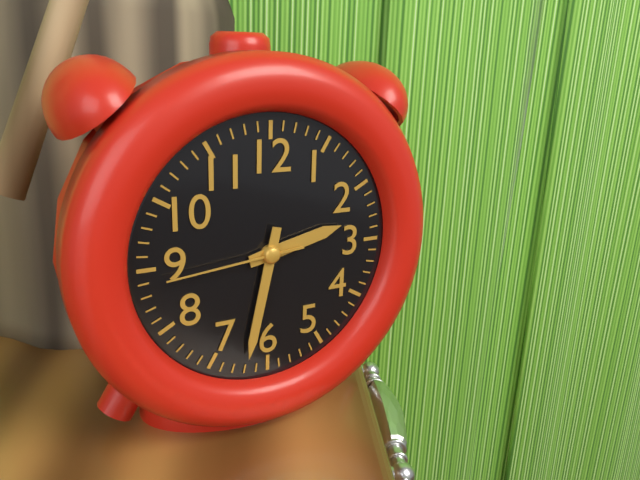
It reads 2h32m44s
